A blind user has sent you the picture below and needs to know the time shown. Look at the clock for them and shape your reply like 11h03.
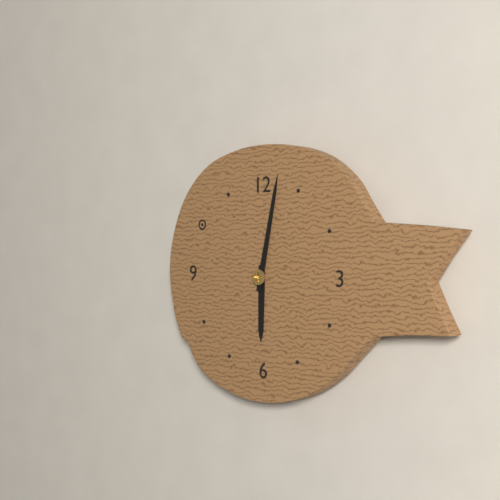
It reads 6h02
